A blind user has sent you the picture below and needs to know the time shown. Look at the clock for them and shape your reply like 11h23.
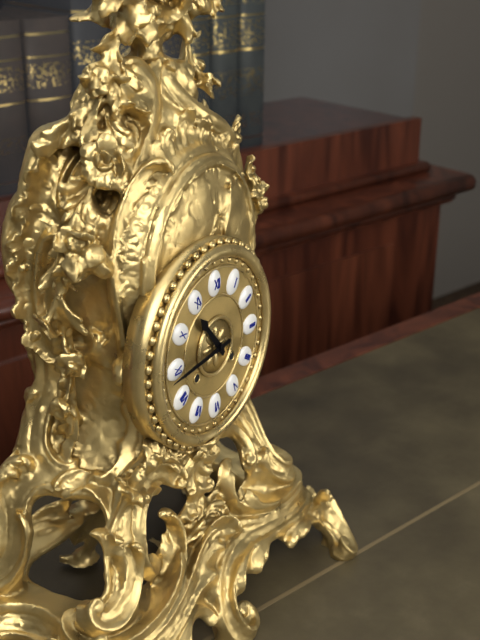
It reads 10h44
